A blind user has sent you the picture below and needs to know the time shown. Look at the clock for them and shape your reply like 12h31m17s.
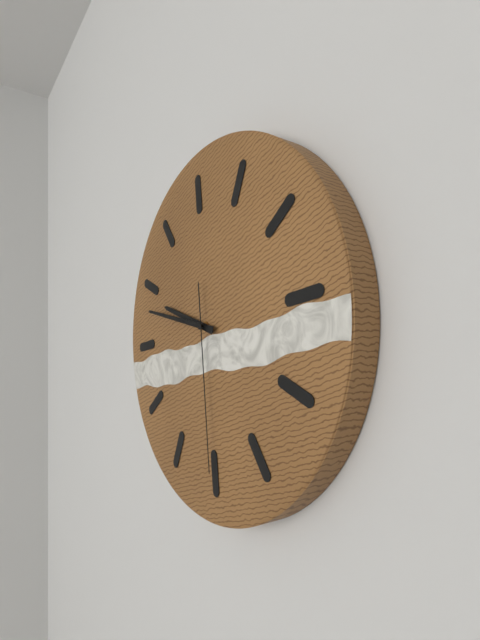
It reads 9h48m30s
